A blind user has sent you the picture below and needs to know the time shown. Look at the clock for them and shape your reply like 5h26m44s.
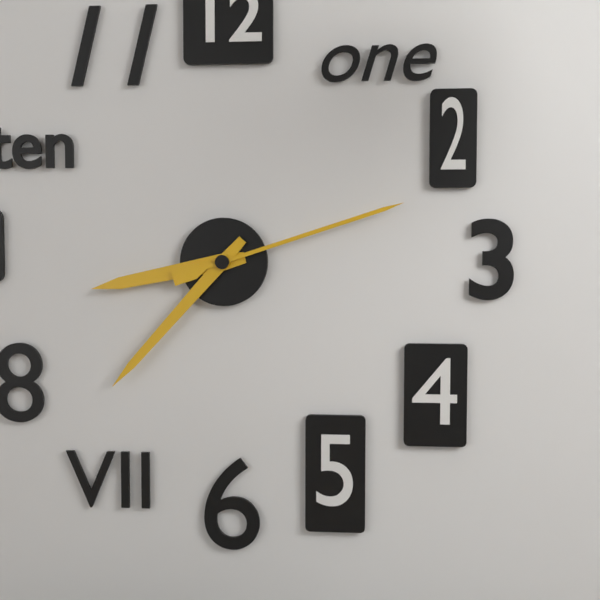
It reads 8h37m12s
